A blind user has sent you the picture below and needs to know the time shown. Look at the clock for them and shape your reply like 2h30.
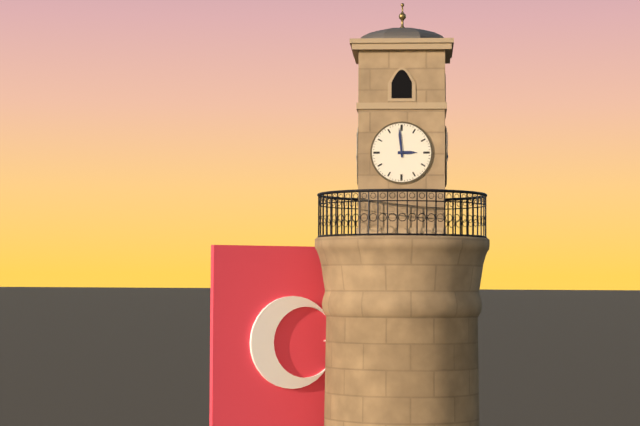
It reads 2h59
